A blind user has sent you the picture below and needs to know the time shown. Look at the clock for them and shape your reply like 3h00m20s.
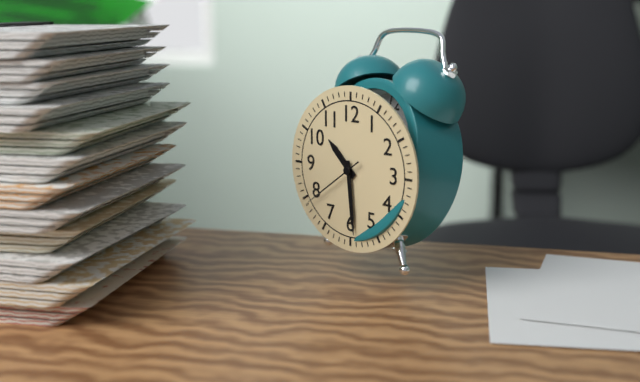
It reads 10h29m39s
